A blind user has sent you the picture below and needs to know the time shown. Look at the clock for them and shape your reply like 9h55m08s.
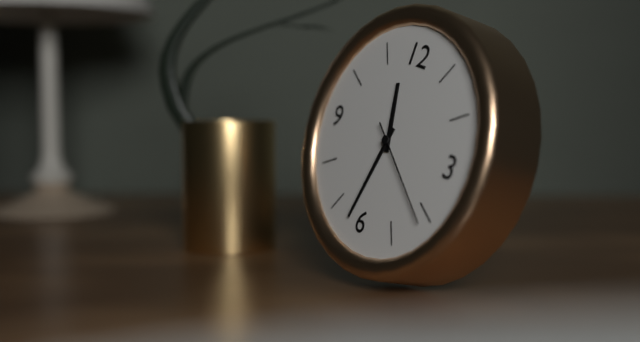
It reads 11h32m21s
